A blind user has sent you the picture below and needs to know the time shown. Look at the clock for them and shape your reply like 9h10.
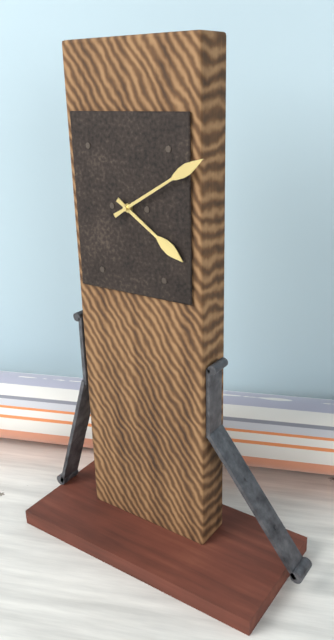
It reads 4h10
